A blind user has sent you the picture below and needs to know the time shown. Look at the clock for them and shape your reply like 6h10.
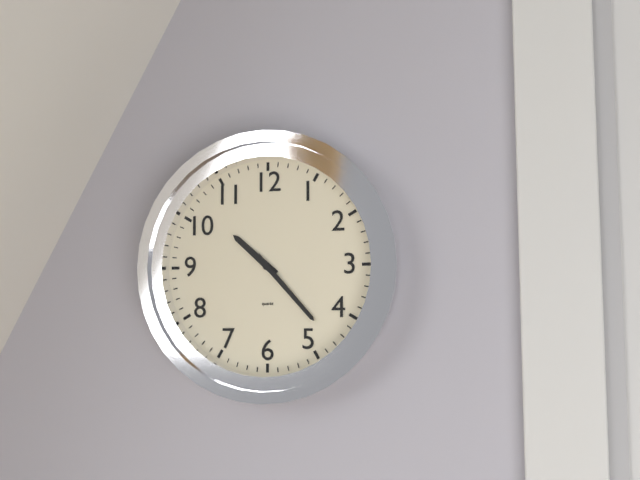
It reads 10h23
